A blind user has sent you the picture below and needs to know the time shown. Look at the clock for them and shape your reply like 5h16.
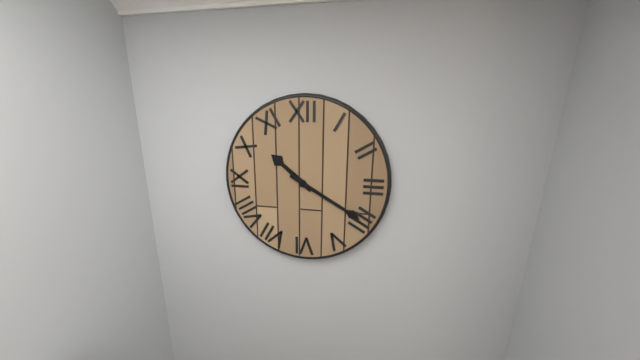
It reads 10h20
